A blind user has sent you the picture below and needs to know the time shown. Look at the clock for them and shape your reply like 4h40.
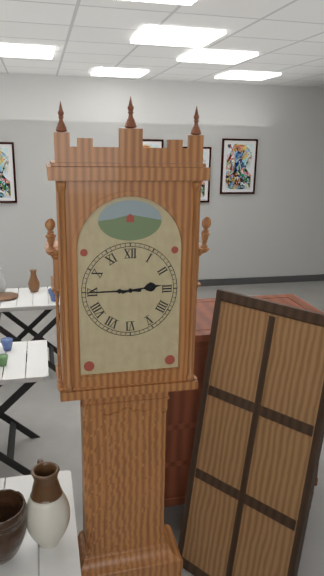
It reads 2h45
